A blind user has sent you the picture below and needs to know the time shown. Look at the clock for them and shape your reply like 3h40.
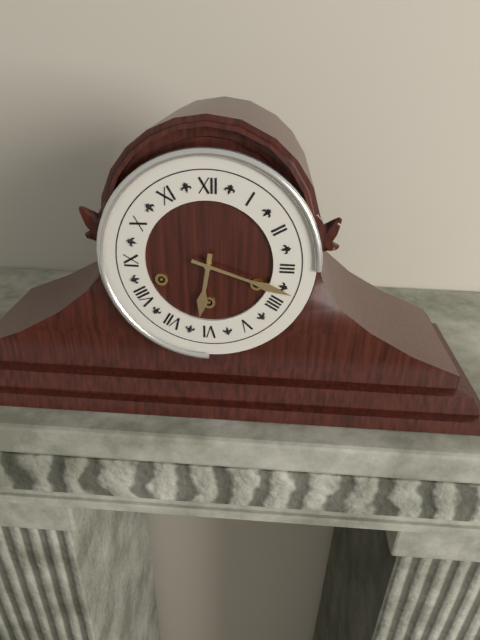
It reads 6h18
